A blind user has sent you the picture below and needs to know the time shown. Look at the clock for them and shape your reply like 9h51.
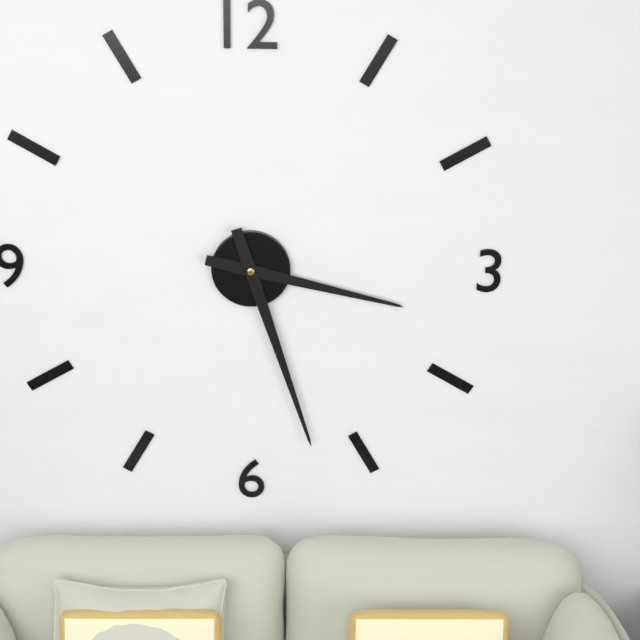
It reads 3h27
